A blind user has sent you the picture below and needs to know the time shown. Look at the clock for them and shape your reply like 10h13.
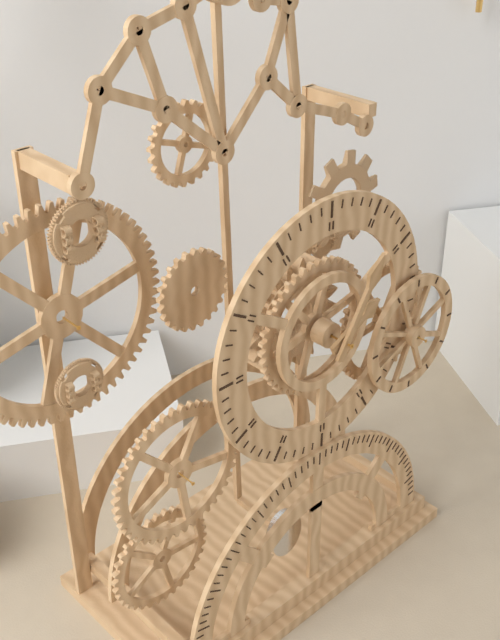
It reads 2h05
